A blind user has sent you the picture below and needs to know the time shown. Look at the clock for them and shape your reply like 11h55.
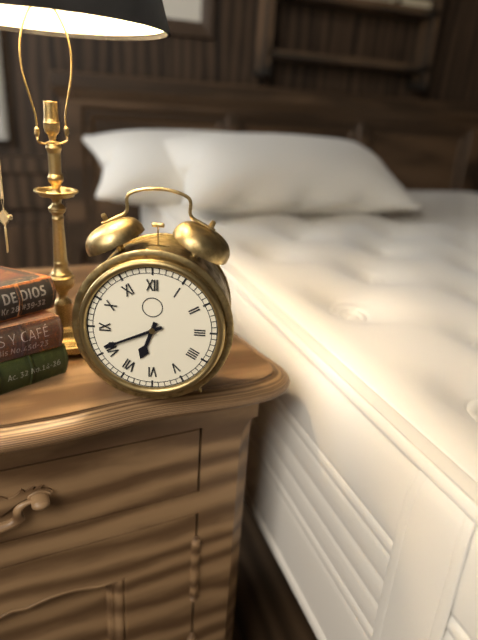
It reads 6h41
